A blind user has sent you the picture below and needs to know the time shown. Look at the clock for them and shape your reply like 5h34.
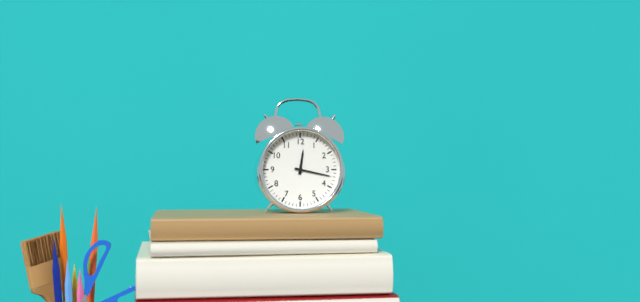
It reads 12h17
